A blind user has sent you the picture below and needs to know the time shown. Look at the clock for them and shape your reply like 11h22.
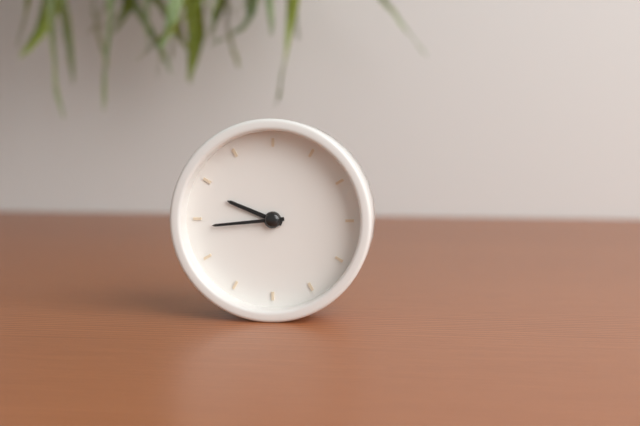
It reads 9h44
